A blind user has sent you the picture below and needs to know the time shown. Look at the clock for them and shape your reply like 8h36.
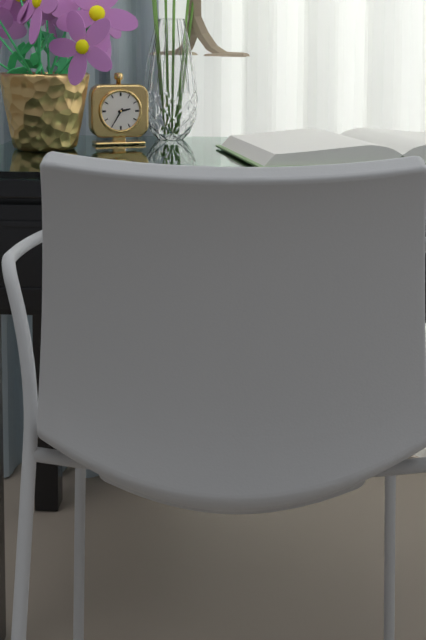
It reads 2h35
